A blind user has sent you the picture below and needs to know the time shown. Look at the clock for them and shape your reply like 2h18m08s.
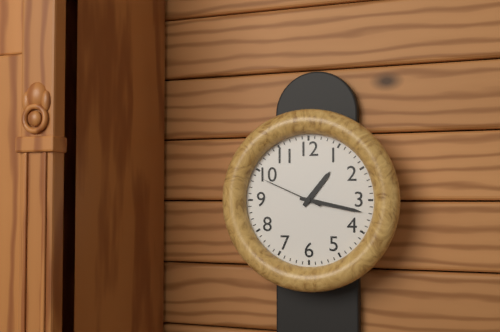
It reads 1h17m49s
